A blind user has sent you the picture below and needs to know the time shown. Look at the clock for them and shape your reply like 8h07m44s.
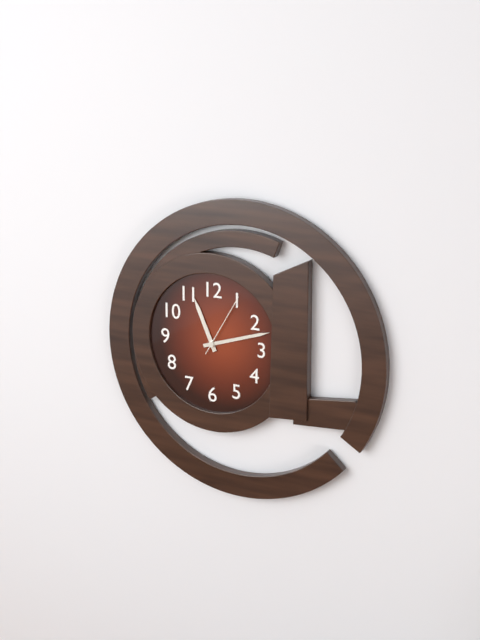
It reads 11h12m05s
